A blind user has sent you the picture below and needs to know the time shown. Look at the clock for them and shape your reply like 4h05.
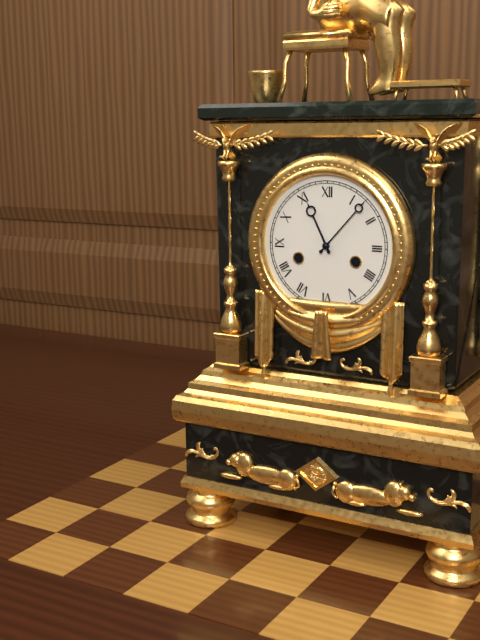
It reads 11h07
